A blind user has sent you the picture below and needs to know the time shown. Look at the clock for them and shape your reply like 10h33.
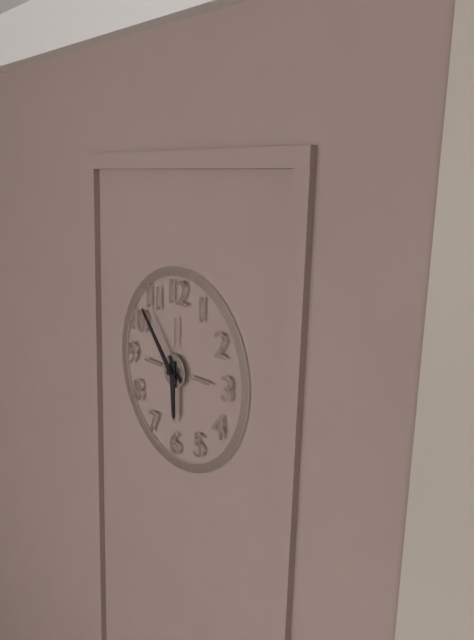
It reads 5h53
